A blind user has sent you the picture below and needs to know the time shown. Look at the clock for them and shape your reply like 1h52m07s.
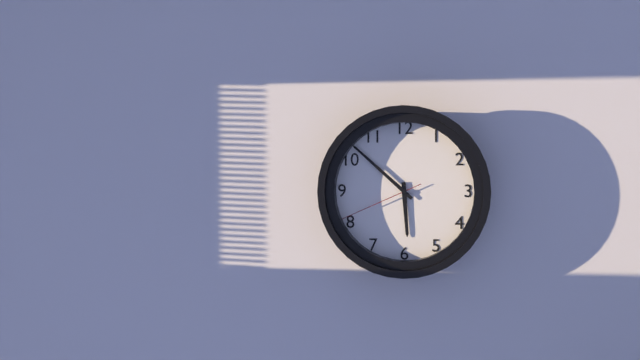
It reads 5h52m41s
